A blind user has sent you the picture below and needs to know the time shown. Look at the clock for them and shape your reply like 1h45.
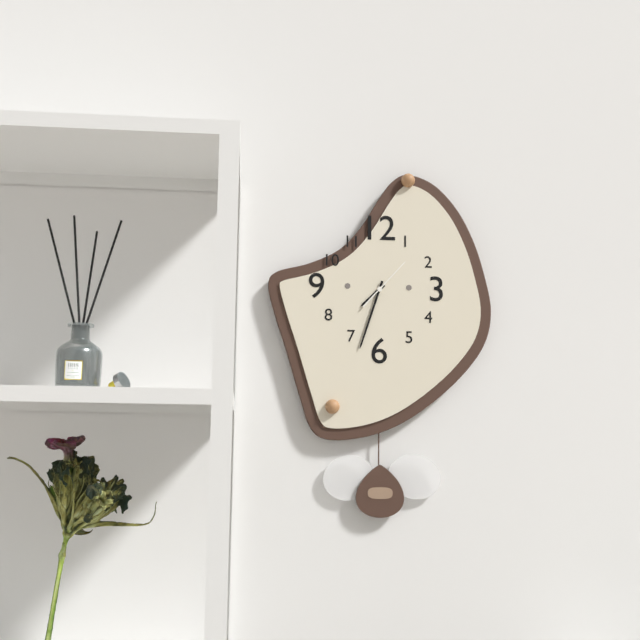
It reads 7h33
